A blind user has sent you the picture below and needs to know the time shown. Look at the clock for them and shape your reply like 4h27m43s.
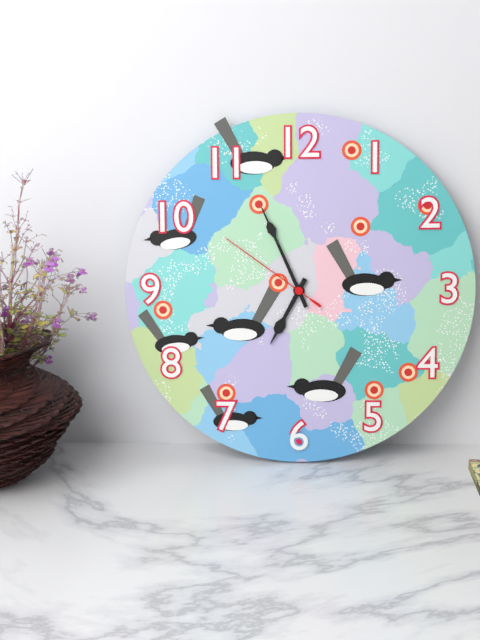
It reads 6h56m51s
